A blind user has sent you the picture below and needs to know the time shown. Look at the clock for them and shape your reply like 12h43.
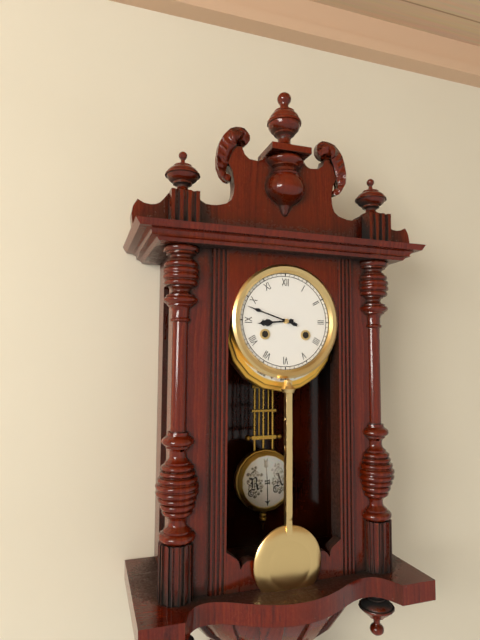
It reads 8h48
